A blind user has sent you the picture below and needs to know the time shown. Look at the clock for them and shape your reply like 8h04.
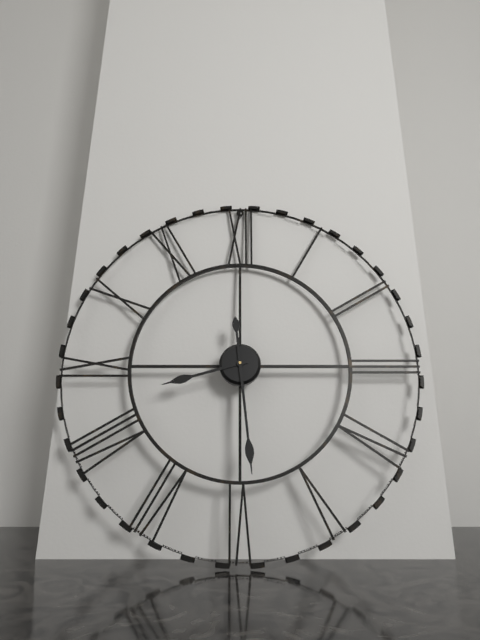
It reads 8h29
